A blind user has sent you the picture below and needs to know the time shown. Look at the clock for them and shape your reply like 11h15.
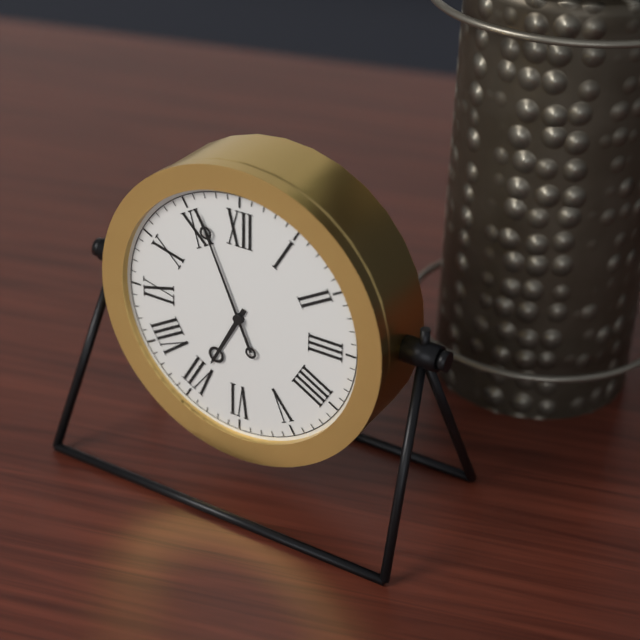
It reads 6h56
